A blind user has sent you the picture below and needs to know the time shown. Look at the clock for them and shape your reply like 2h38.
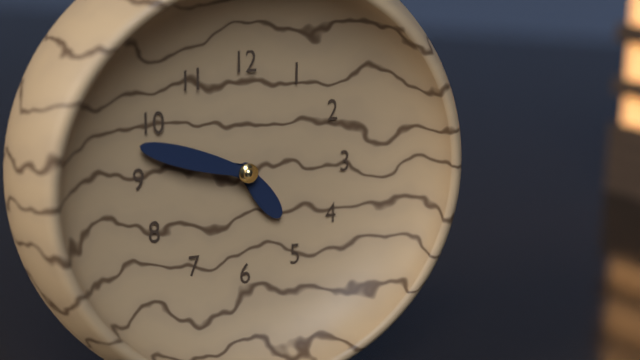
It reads 4h48
